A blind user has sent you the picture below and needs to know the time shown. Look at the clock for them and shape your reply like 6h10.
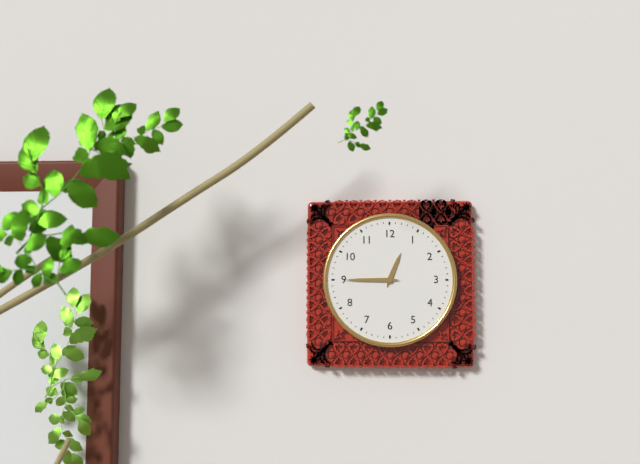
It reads 12h45
